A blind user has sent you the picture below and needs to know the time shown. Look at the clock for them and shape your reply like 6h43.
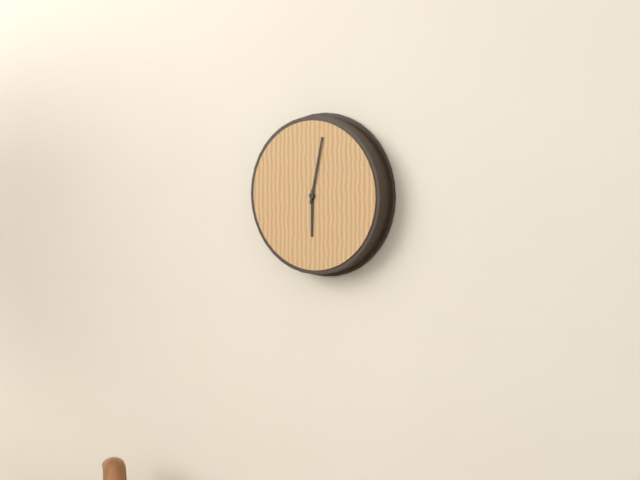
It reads 6h02
